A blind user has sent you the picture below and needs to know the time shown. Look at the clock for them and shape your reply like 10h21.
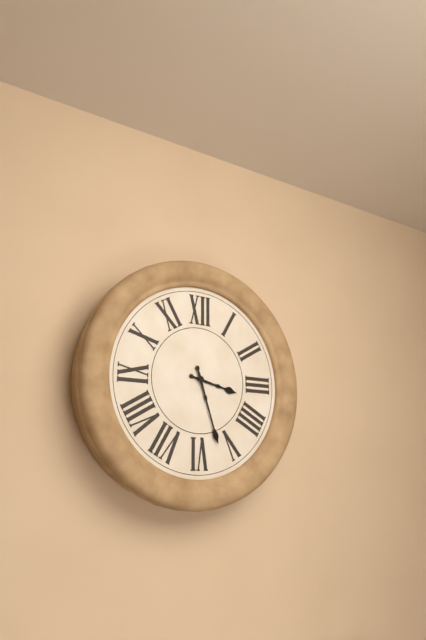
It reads 3h27
